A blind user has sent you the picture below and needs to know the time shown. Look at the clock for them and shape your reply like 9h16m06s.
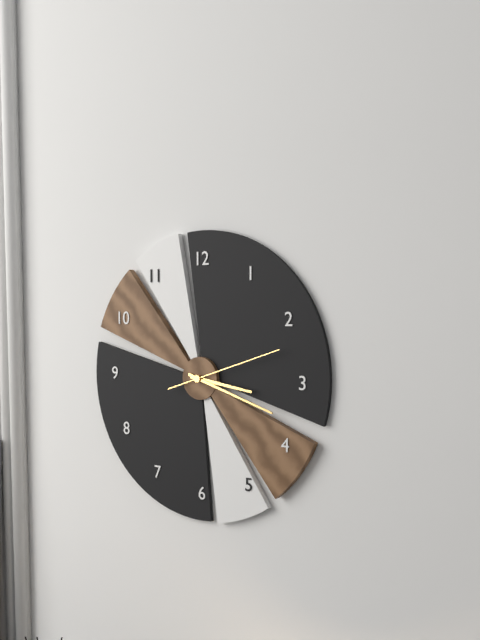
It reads 3h18m12s
